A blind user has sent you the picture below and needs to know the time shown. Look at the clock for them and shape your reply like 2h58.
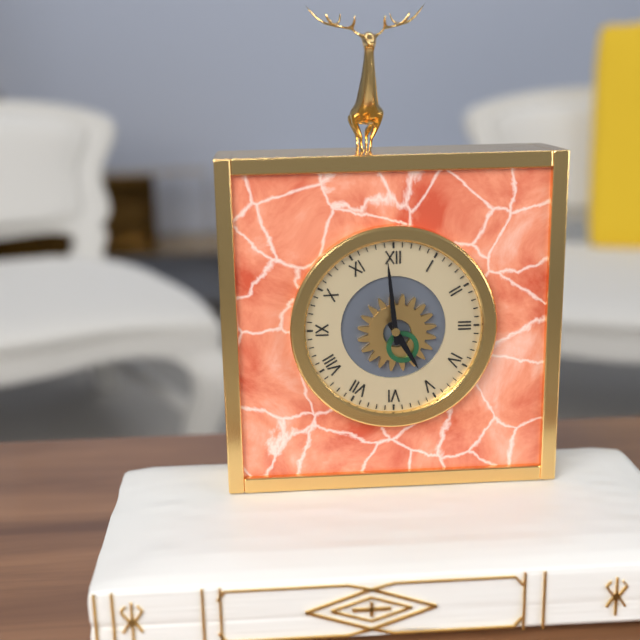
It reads 4h59
